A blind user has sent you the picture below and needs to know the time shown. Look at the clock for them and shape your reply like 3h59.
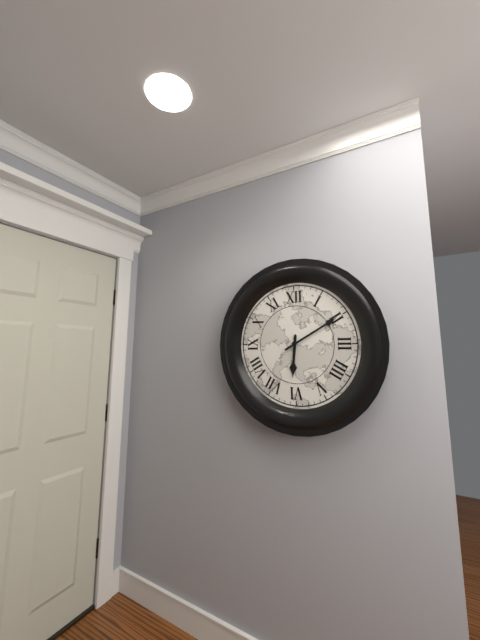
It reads 6h10
